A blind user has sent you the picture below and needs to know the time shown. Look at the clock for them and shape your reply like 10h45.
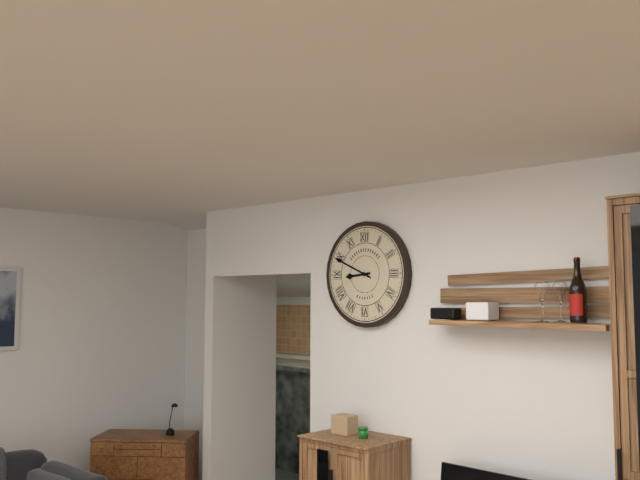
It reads 8h49
